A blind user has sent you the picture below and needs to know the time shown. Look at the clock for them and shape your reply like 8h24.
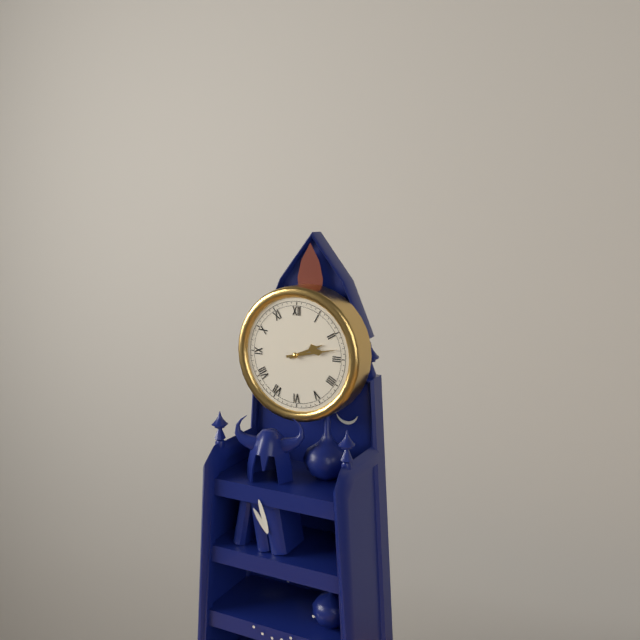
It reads 2h13
